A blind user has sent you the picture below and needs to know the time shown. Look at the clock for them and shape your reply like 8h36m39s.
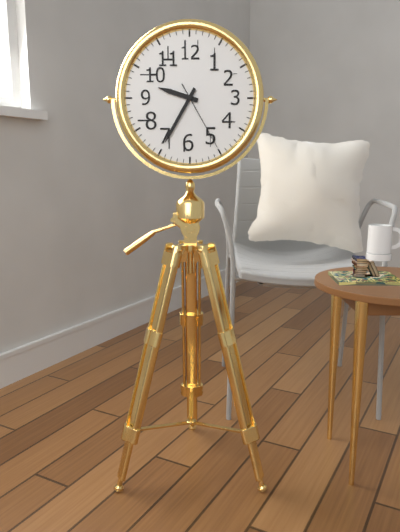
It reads 9h35m25s
